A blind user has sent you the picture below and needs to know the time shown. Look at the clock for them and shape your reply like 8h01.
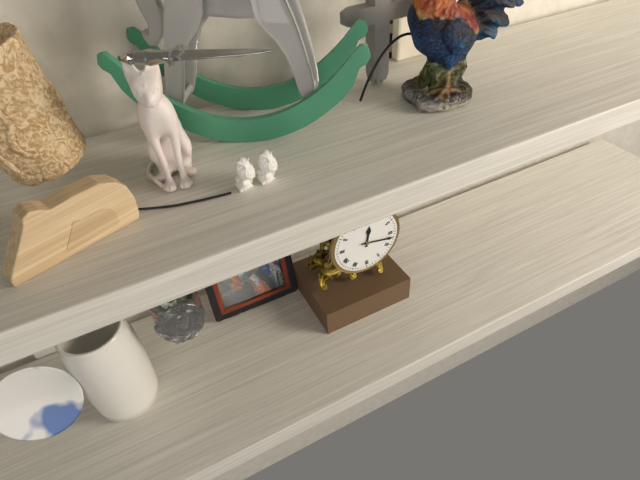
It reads 12h17
